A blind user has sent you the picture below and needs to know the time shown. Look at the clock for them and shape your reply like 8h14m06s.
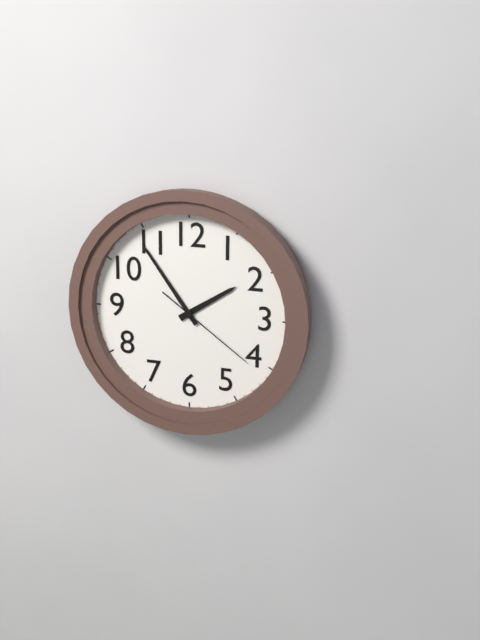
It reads 1h54m21s
